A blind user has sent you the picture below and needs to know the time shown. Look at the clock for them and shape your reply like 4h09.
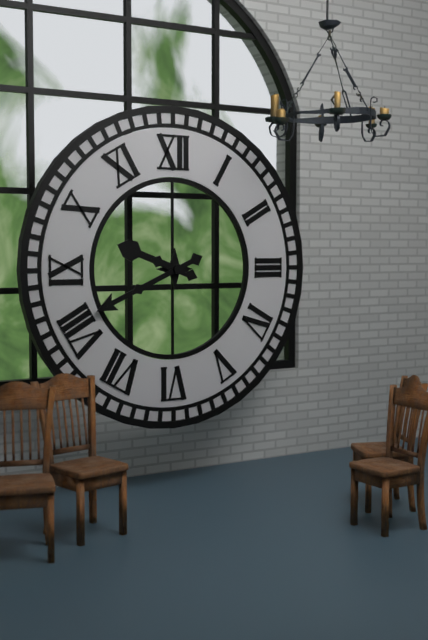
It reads 9h41
